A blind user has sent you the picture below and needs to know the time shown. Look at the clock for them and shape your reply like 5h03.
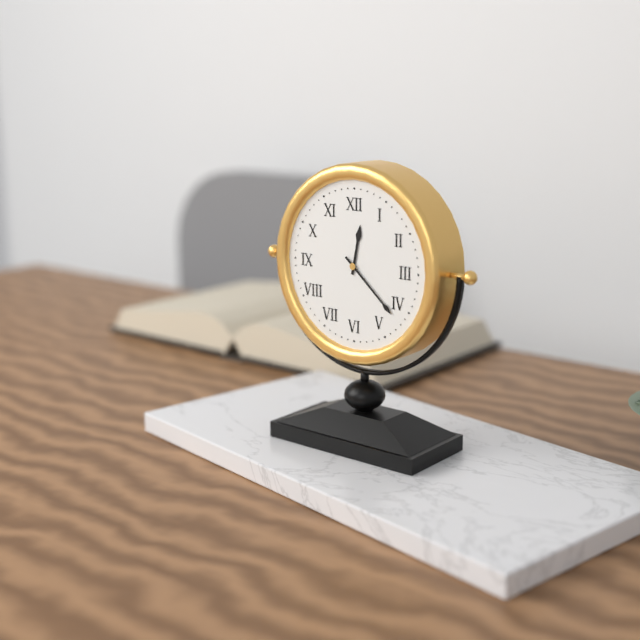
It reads 12h22
